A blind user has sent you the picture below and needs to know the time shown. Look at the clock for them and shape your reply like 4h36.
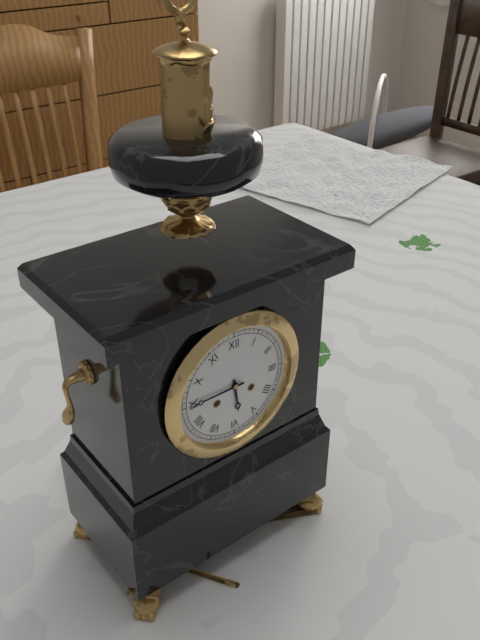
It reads 5h45
